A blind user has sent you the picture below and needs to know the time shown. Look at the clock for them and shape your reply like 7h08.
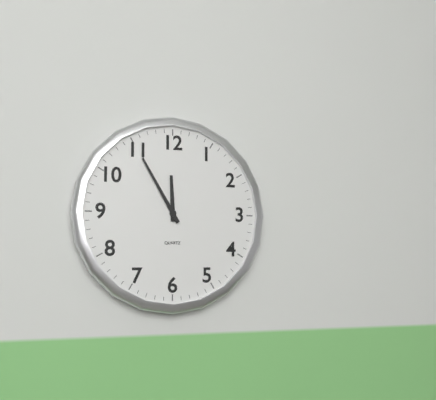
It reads 11h55
